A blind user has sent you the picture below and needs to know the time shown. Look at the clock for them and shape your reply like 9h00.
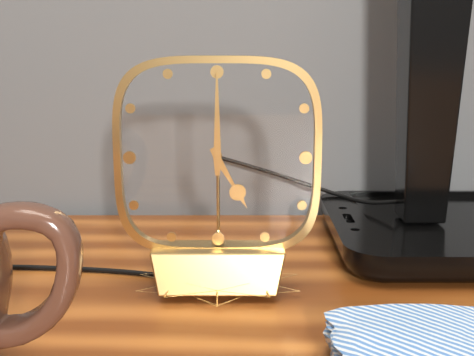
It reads 5h00
